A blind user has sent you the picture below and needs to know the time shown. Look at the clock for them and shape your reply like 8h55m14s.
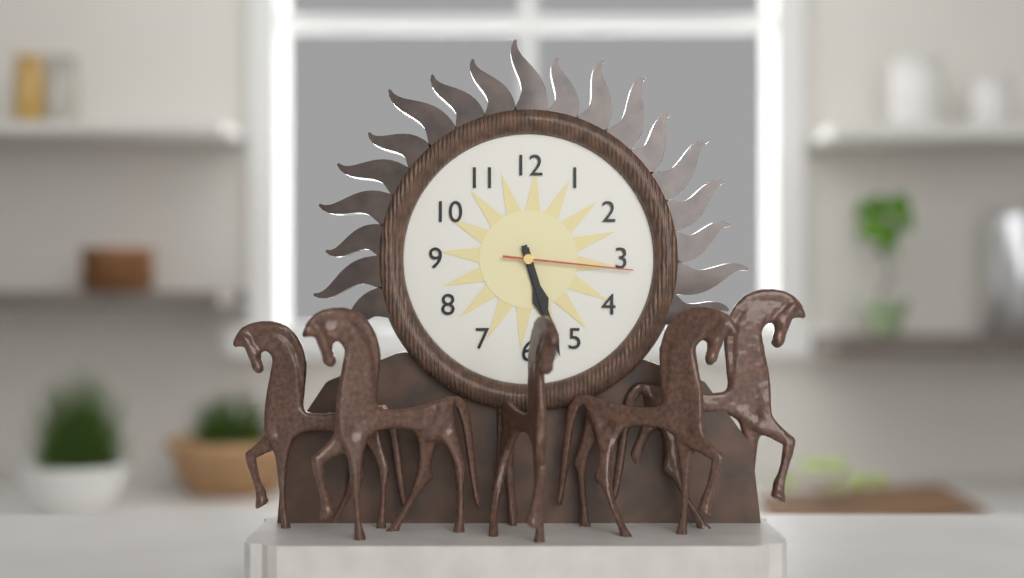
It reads 5h27m16s
